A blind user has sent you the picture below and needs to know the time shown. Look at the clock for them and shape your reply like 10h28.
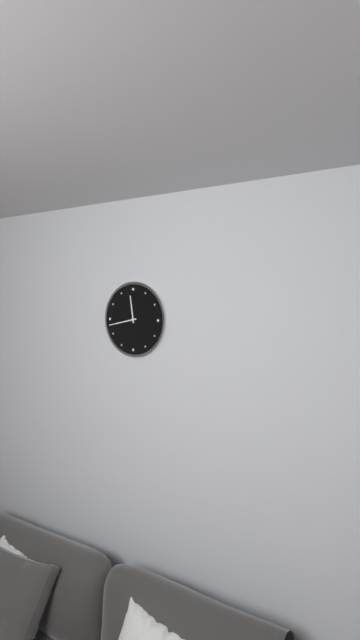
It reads 11h43
